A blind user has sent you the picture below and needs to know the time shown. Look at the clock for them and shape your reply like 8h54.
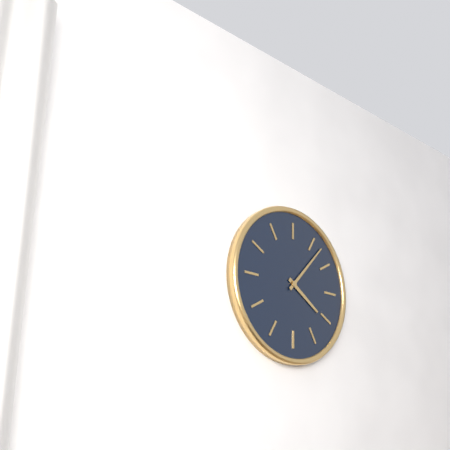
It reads 4h07
